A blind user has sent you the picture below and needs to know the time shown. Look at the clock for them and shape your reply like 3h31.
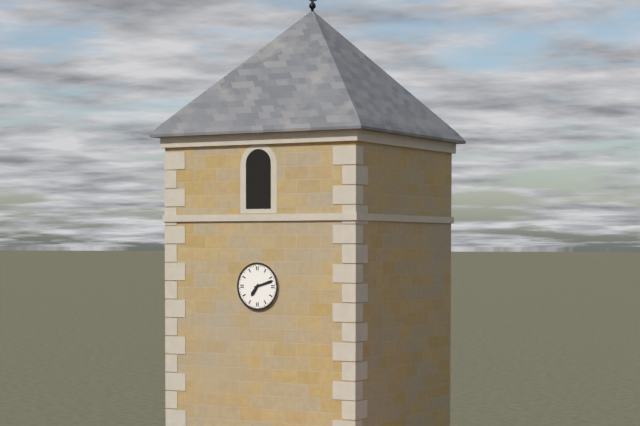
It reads 7h12
